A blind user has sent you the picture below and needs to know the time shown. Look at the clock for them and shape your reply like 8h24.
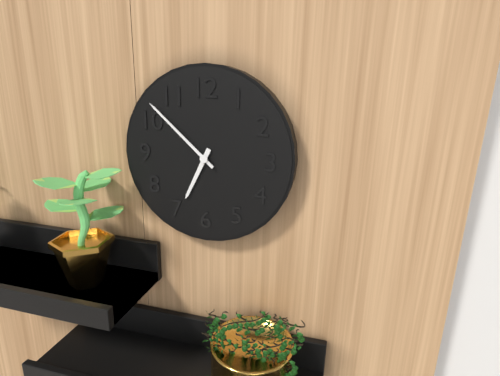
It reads 6h52
